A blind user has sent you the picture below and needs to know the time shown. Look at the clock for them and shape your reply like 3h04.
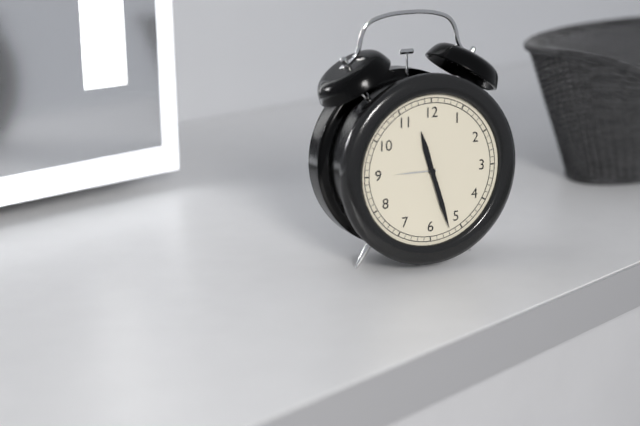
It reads 11h27
